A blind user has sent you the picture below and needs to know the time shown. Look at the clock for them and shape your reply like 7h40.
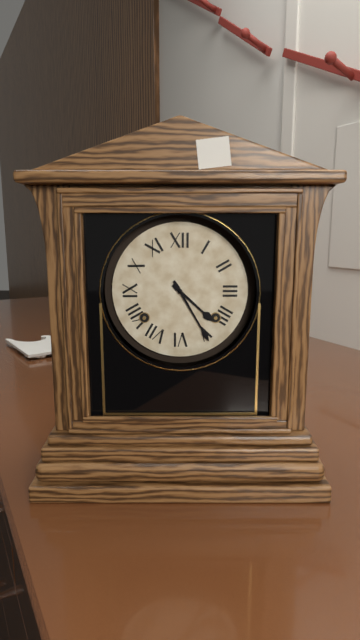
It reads 4h25
